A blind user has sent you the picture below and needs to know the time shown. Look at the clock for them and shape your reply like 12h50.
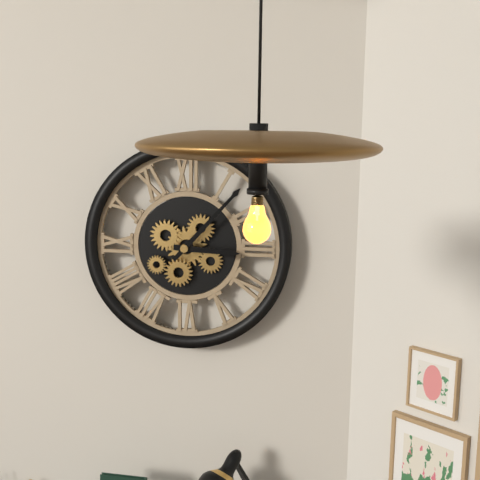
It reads 3h07
